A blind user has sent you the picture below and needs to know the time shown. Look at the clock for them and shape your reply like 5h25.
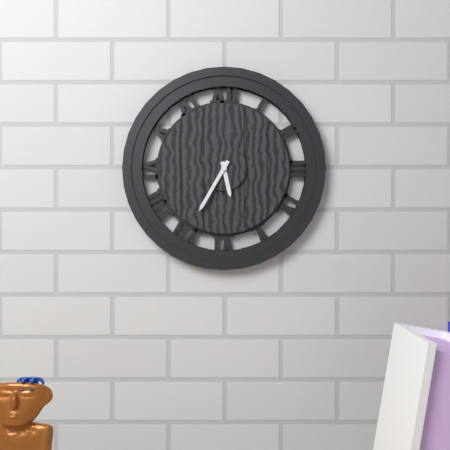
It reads 5h35
